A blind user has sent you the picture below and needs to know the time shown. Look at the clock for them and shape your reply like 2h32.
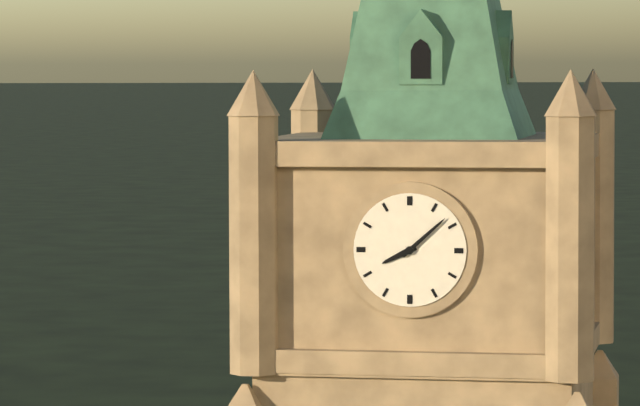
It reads 8h08
